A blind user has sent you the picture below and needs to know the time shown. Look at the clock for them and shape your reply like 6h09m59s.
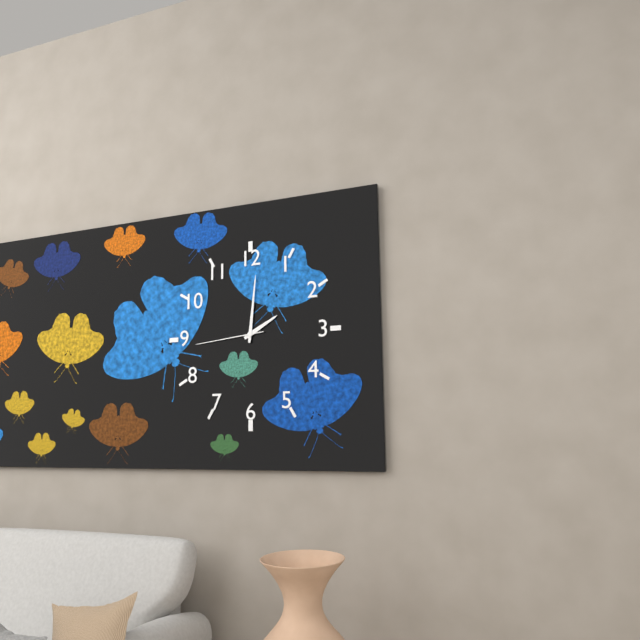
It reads 2h01m44s
